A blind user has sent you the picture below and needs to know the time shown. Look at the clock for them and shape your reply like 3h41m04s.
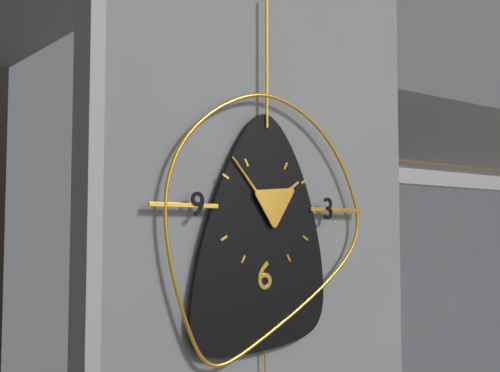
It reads 1h53m53s
